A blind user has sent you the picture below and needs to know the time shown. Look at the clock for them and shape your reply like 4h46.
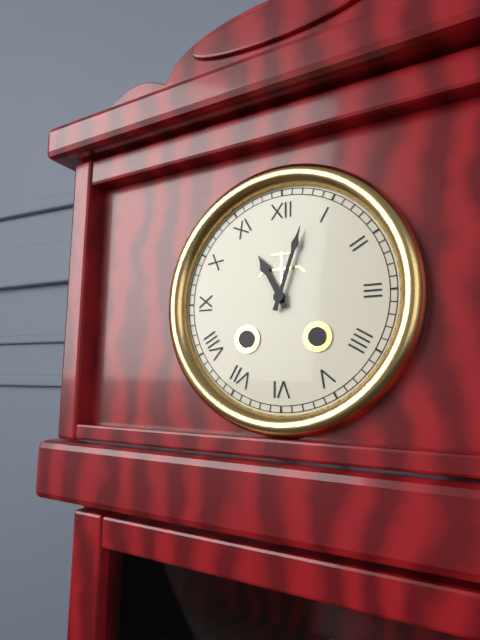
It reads 11h03
